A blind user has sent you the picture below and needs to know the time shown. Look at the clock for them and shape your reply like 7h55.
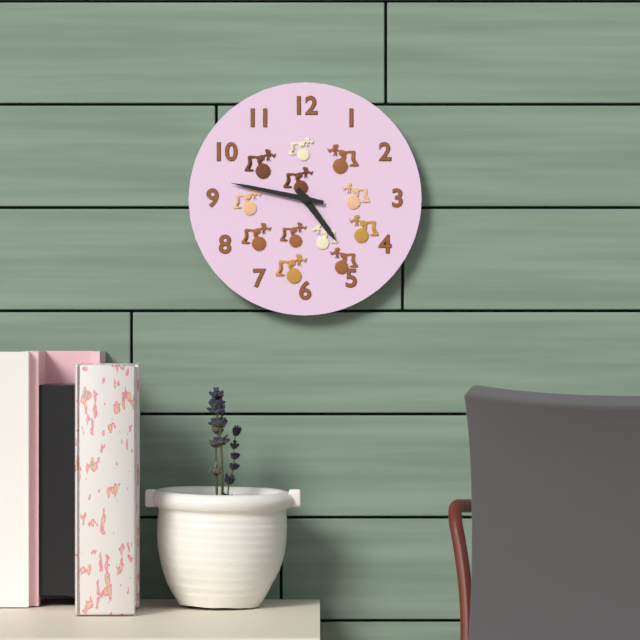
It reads 4h47
